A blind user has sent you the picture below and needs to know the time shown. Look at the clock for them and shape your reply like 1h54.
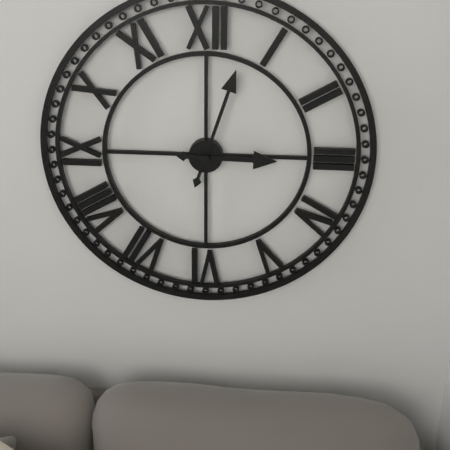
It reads 3h03
